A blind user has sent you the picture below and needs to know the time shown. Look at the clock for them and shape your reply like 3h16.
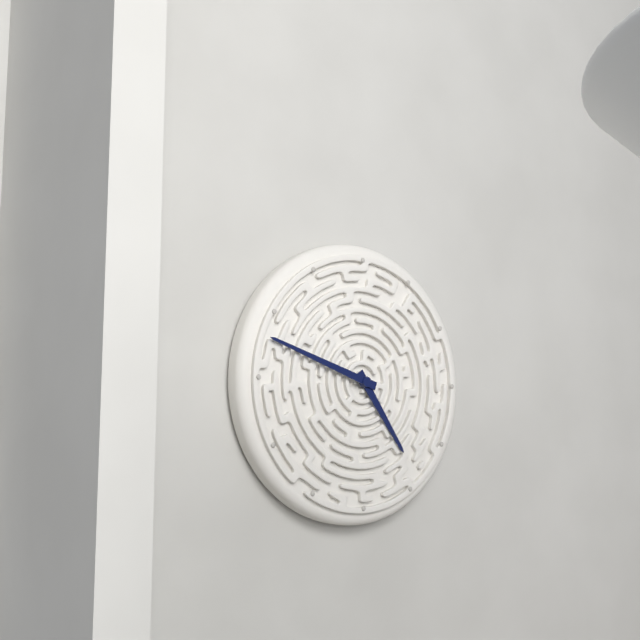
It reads 4h48
